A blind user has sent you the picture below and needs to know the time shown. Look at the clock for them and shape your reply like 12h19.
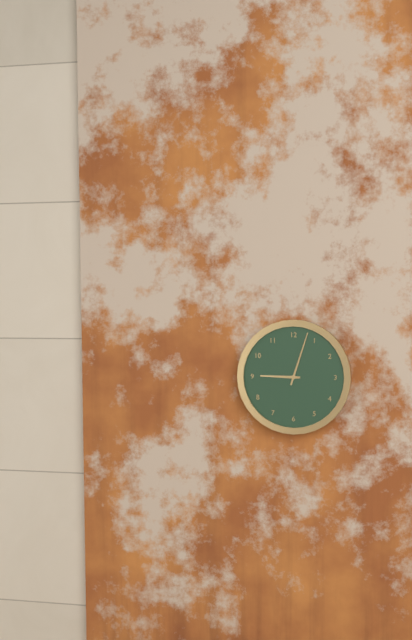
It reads 9h03
